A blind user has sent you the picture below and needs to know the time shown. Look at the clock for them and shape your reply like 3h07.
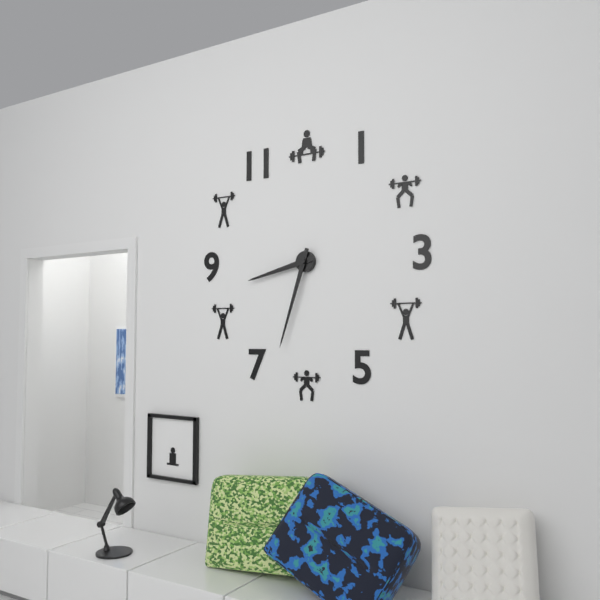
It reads 8h33
